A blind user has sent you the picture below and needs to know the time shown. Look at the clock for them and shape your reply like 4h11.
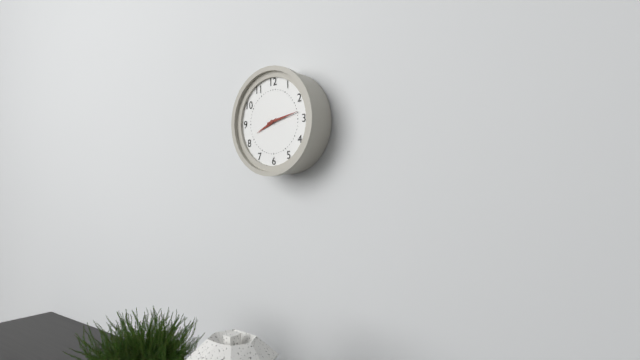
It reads 8h13
